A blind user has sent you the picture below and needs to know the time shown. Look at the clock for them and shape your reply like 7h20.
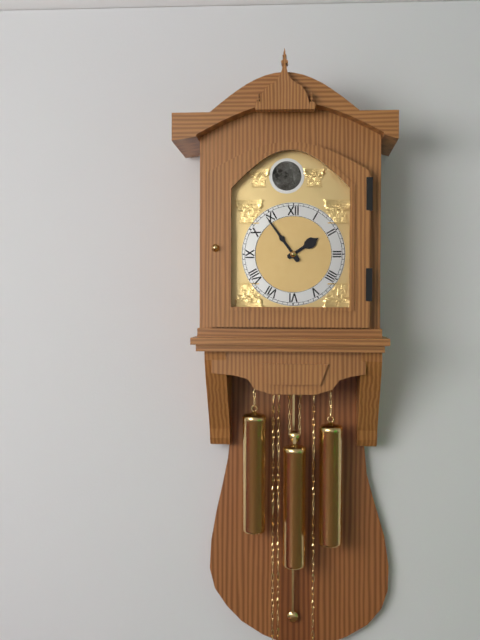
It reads 1h54
